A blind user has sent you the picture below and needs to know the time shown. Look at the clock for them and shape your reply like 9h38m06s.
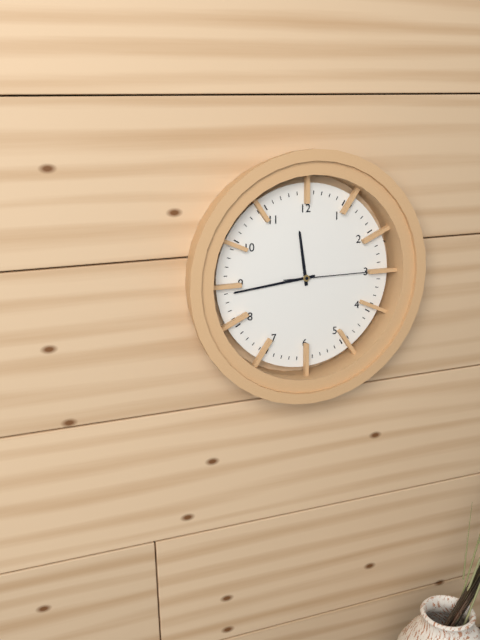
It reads 11h44m15s
